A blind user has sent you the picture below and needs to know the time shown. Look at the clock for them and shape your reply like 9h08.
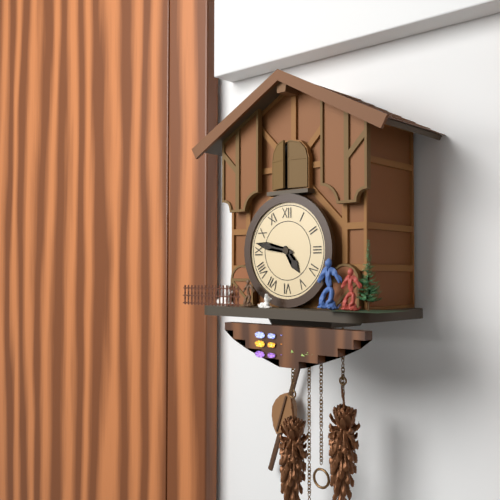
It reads 4h47
